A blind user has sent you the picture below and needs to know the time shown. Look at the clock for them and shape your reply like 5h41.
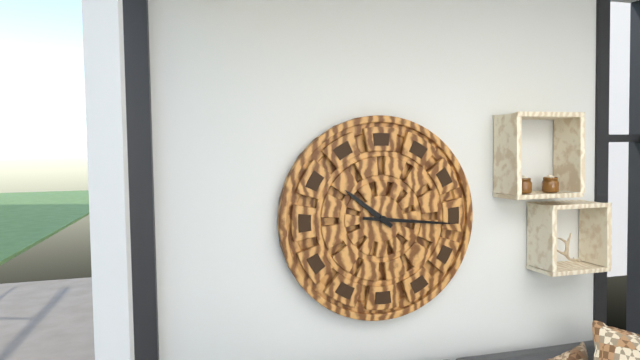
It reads 10h16
